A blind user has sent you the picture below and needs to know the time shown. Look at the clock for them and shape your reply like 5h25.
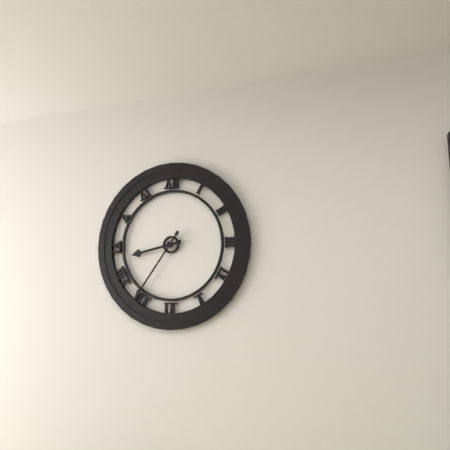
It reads 8h36
